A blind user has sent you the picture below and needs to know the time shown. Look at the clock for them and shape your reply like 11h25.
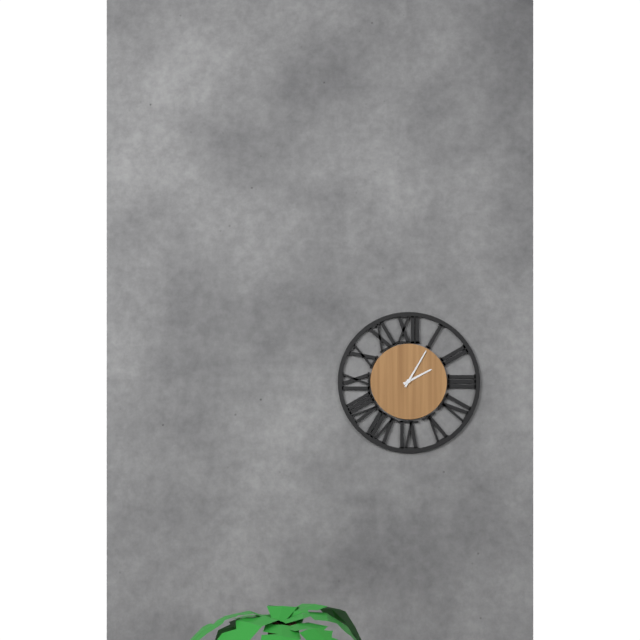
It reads 2h05
